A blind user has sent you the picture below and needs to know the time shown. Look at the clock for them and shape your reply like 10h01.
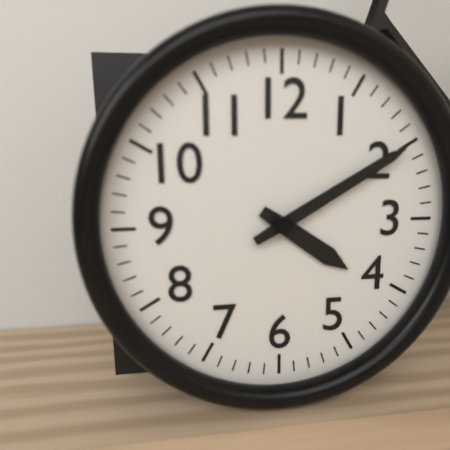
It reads 4h10
